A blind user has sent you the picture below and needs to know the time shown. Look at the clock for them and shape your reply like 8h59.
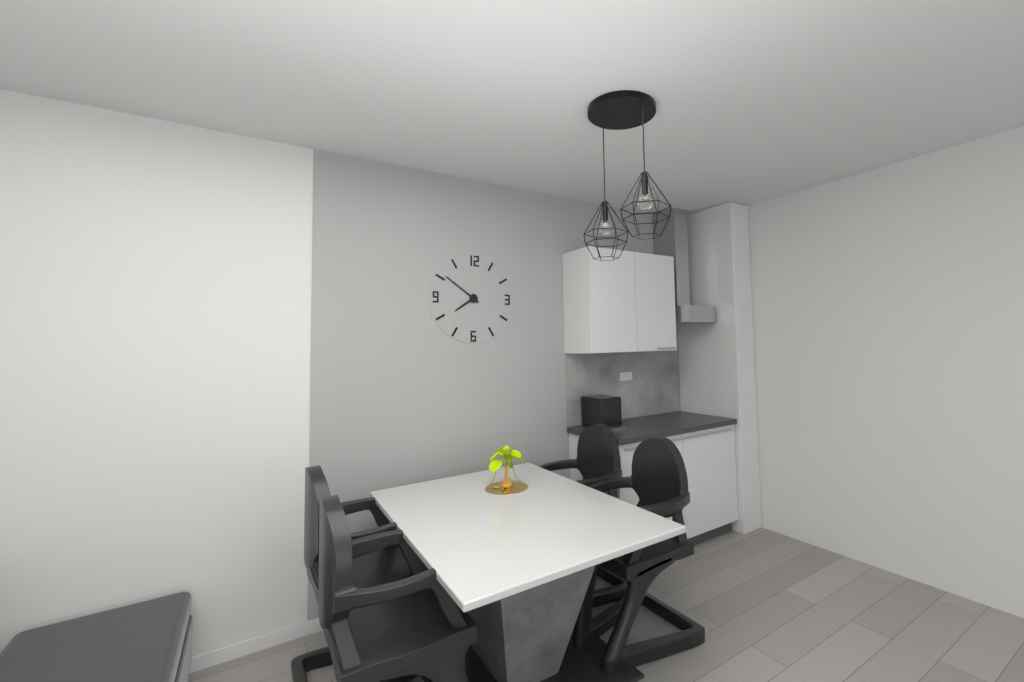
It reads 7h51
